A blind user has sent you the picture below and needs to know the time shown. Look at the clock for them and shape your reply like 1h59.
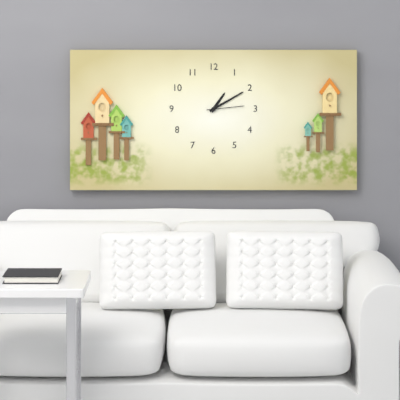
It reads 1h10
